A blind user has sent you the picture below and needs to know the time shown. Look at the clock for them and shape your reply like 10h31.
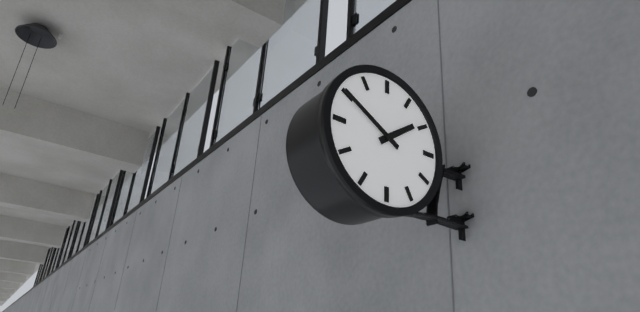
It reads 1h50
